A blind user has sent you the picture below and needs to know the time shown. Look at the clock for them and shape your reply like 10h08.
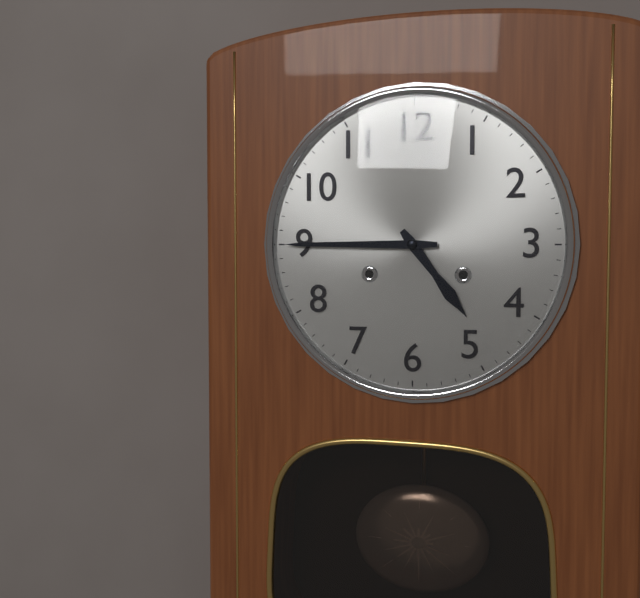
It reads 4h45
